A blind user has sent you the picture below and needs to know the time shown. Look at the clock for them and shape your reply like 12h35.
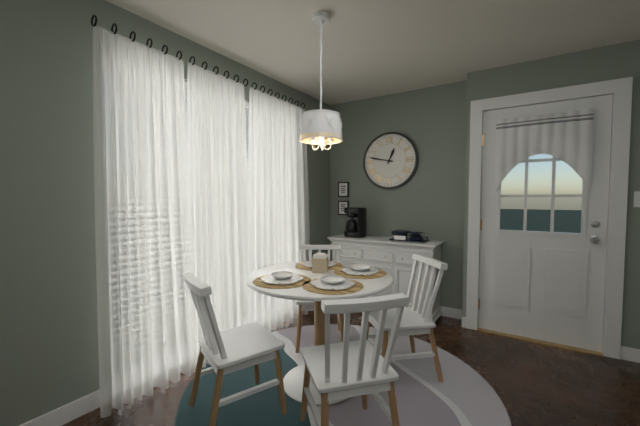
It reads 12h47
